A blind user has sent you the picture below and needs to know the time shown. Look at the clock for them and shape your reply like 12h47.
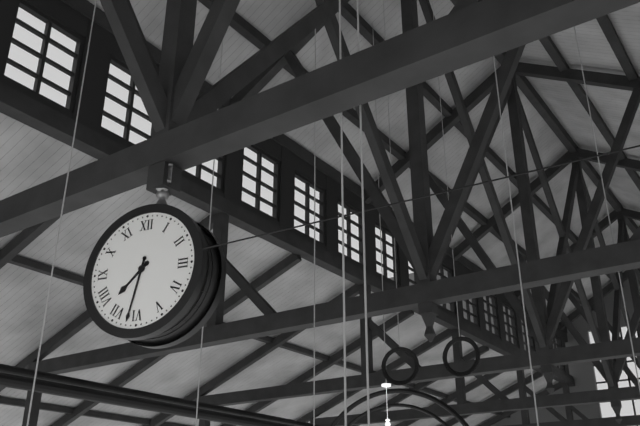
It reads 7h32
